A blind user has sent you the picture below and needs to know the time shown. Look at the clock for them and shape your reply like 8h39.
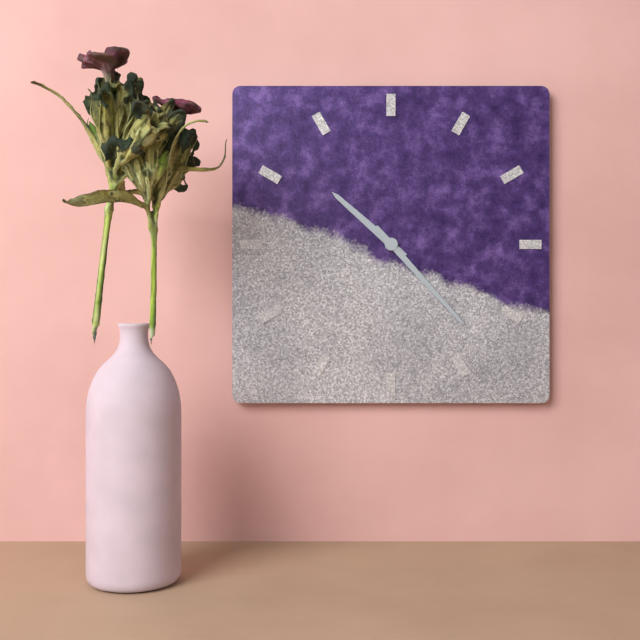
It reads 10h23
